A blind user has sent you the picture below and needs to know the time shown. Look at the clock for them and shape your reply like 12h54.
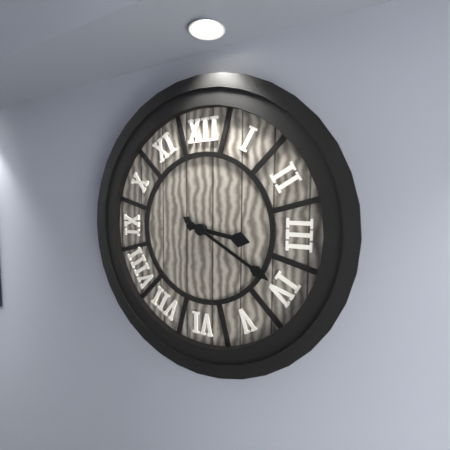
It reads 3h20
